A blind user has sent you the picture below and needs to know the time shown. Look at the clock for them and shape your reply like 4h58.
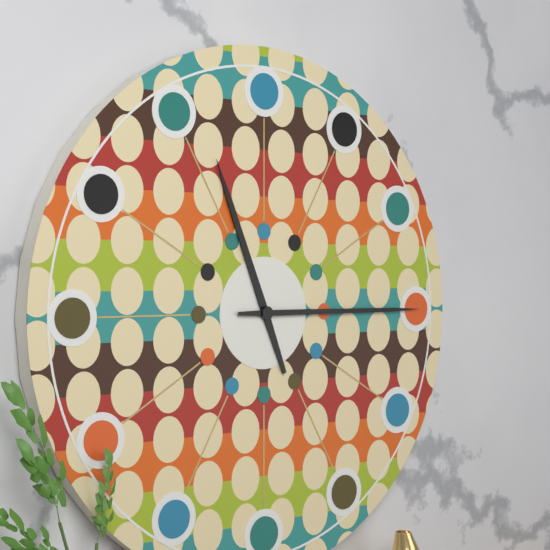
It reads 11h15
